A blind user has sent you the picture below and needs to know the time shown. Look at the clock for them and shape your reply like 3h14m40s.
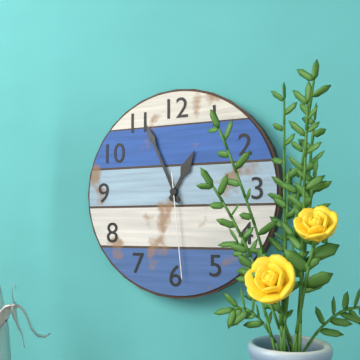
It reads 12h56m29s
